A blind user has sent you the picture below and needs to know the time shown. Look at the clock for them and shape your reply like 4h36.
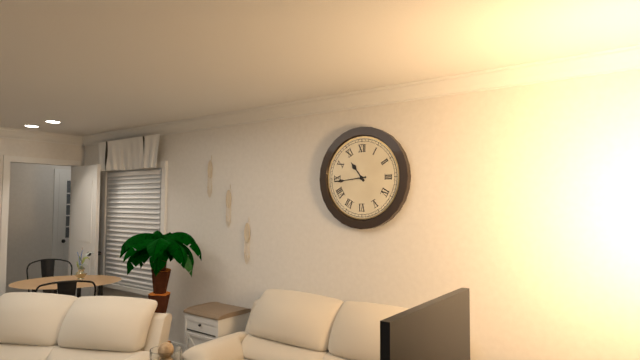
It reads 10h44
